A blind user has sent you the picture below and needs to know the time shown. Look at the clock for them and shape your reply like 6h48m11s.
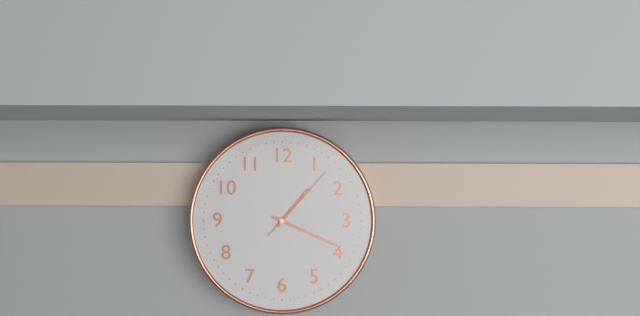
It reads 1h19m07s
